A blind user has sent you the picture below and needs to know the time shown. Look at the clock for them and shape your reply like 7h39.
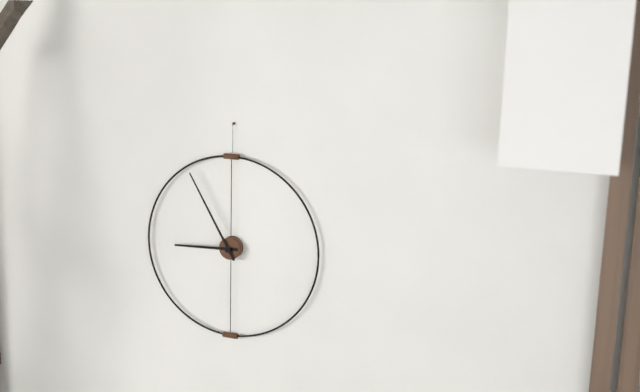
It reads 8h55
